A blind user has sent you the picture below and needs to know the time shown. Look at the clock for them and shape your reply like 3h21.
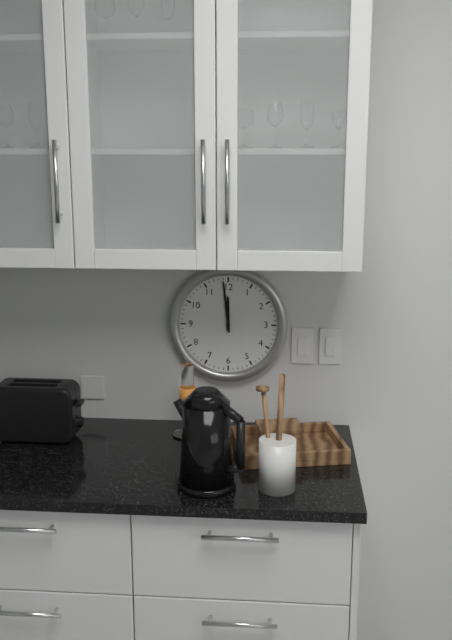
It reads 11h59
